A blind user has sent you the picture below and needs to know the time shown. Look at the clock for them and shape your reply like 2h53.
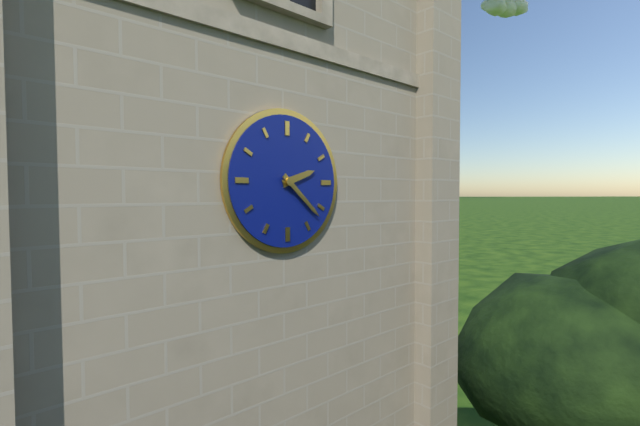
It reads 2h22
